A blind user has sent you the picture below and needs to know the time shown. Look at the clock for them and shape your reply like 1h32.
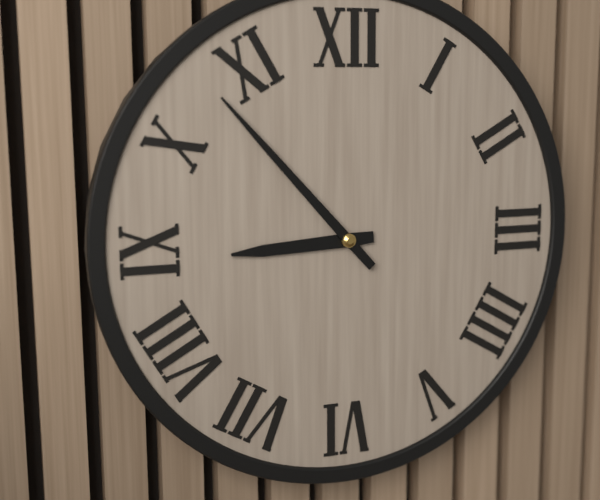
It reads 8h53
